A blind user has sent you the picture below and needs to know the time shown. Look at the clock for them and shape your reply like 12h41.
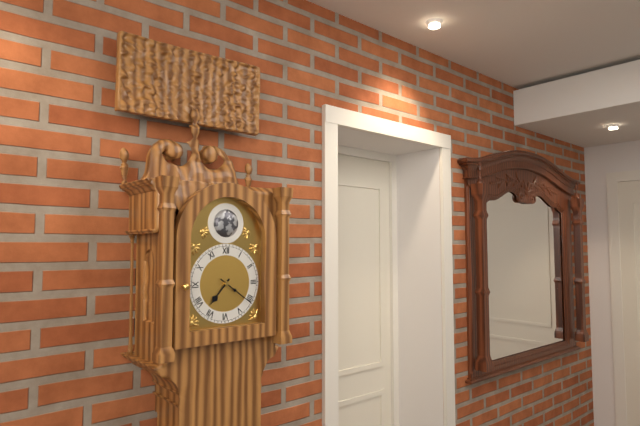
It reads 7h21
